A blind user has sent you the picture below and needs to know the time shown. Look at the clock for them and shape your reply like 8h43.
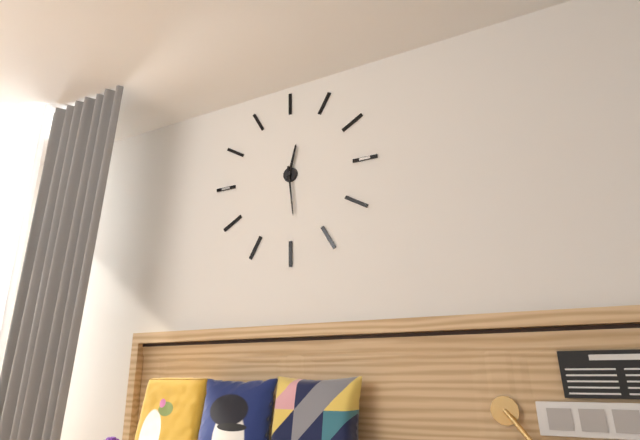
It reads 12h29
